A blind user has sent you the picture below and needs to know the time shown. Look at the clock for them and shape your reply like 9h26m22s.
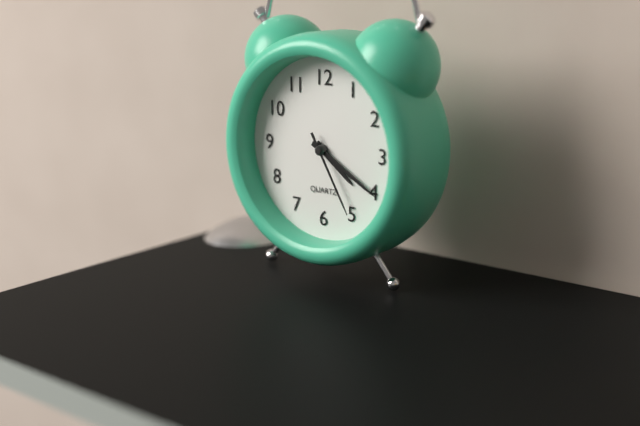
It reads 4h20m25s
